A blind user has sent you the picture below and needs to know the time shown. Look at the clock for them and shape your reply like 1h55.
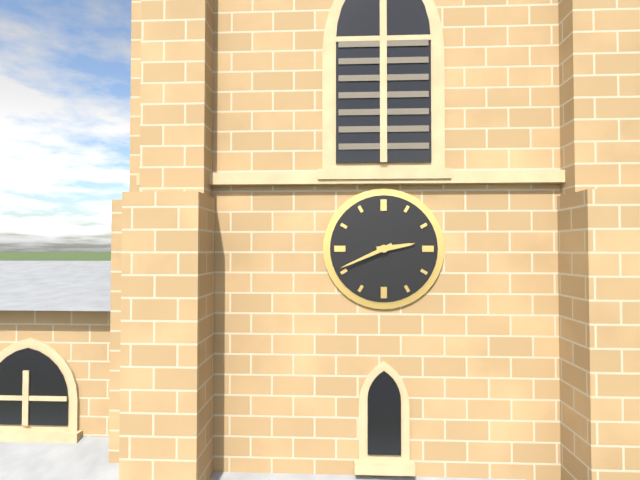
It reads 2h41
